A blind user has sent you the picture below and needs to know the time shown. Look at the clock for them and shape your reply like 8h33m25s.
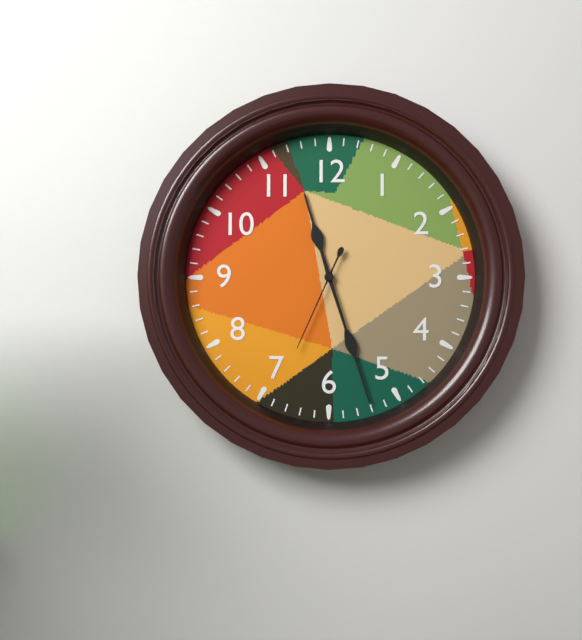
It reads 11h27m34s
